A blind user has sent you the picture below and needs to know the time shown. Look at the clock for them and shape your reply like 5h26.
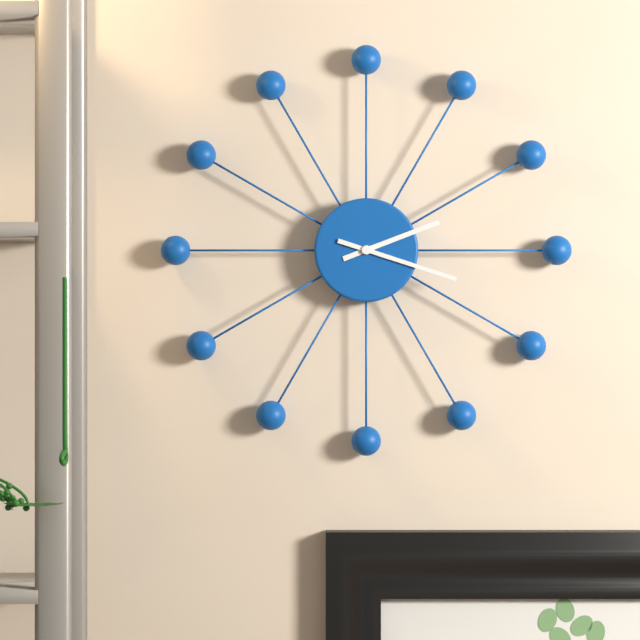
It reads 2h18
